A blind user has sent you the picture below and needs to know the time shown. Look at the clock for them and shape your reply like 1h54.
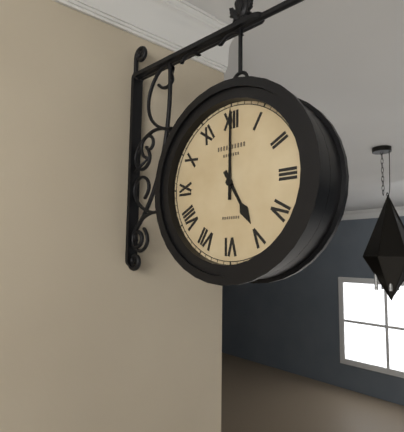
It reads 5h00
